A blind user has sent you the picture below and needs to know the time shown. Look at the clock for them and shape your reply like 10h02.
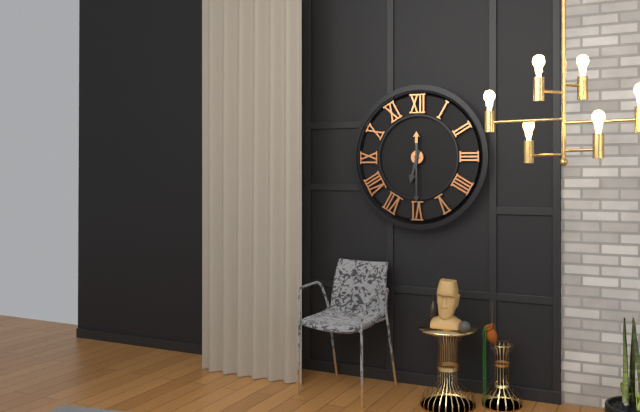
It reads 6h30
